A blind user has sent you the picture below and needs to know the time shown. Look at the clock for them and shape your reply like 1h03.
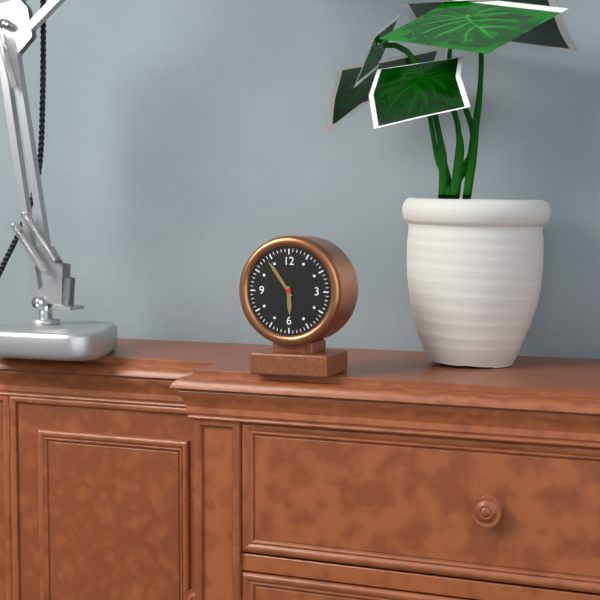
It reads 5h54
